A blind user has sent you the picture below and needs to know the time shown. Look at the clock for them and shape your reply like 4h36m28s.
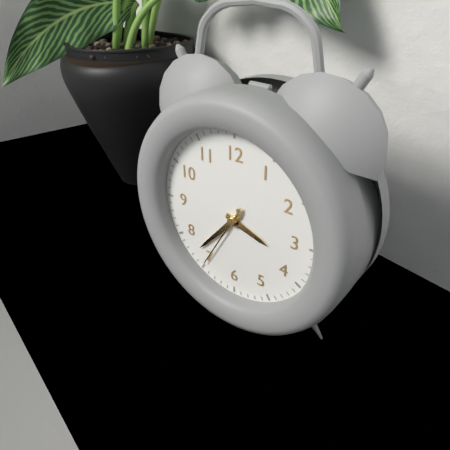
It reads 3h37m35s
